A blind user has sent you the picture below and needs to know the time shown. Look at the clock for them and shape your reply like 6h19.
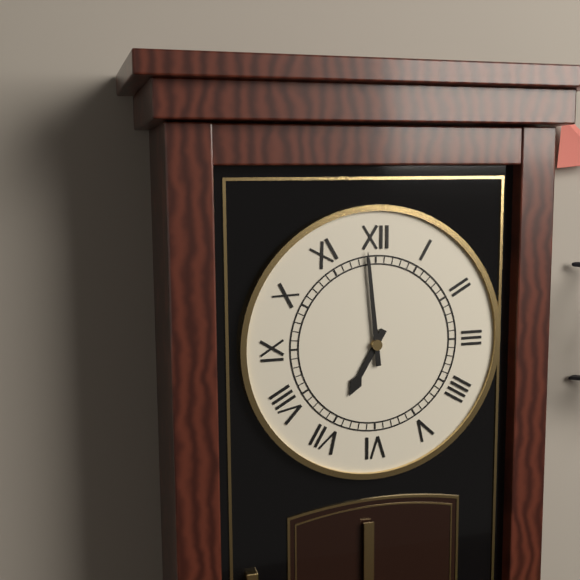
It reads 6h59
